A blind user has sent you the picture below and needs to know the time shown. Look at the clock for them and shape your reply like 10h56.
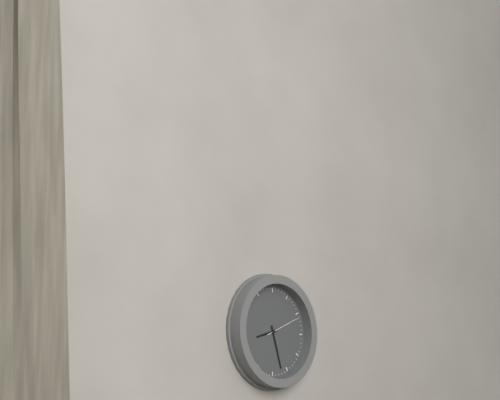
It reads 8h27
